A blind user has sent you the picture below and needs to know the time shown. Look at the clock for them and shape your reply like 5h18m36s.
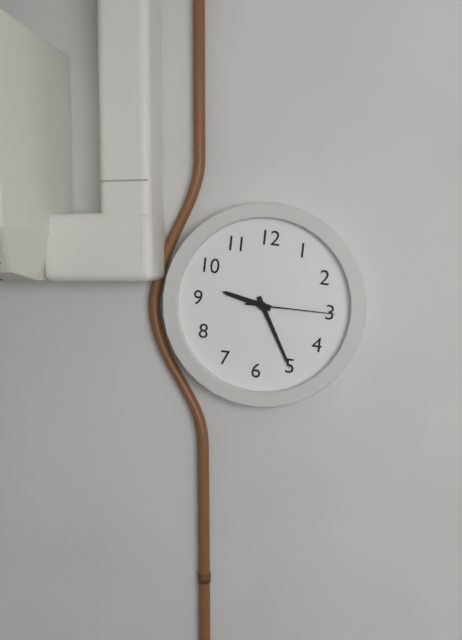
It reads 9h25m15s
